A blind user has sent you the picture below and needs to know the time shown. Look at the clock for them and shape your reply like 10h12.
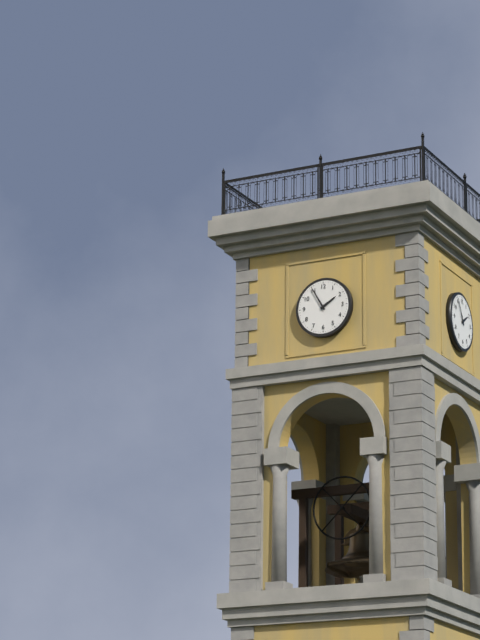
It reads 1h55
